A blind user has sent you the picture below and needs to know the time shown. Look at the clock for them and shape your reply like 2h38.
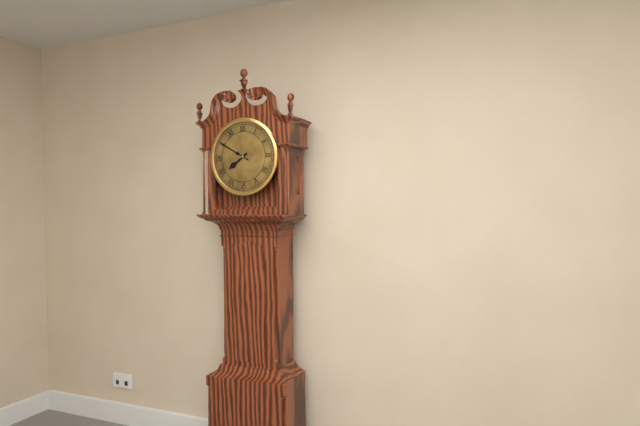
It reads 7h50
